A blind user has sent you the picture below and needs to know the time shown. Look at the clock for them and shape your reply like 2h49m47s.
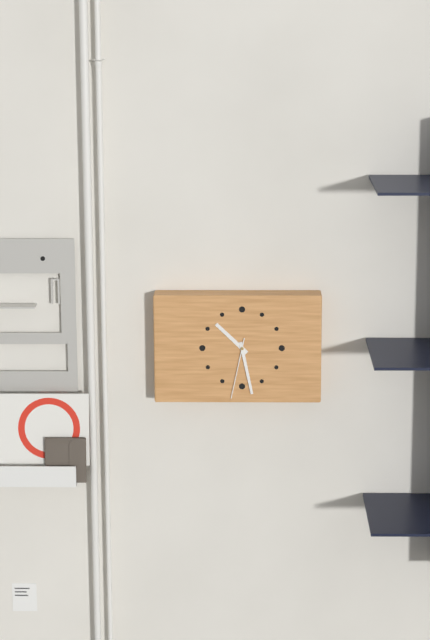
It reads 10h28m32s
